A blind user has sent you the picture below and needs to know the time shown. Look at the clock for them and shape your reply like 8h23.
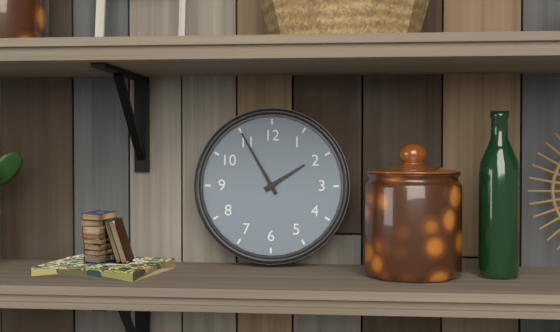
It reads 1h55
